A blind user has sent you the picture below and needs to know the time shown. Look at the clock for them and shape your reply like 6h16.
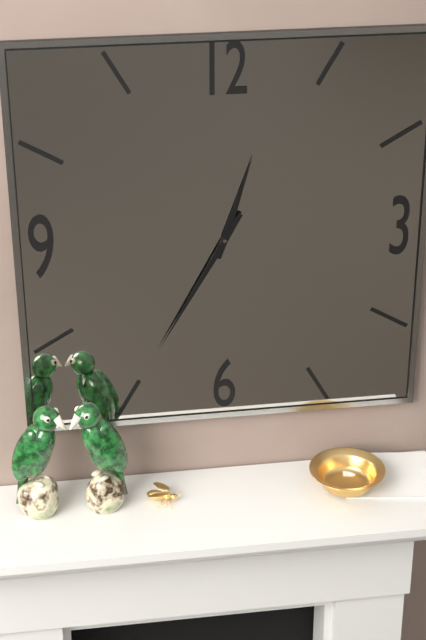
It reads 12h35
